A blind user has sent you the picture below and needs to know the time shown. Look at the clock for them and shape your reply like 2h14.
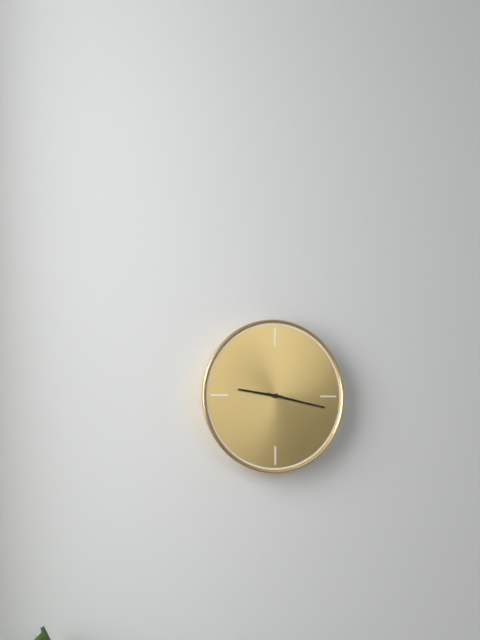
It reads 9h17
